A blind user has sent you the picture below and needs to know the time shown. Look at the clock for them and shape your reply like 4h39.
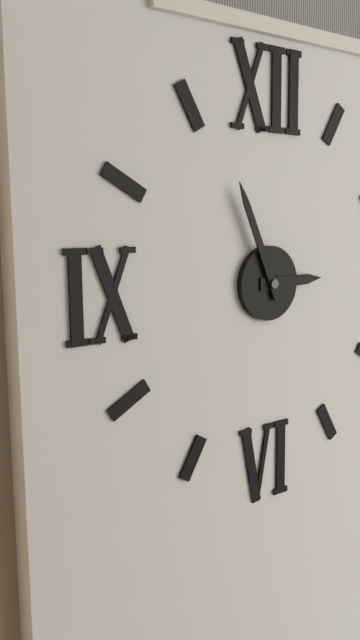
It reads 2h56
